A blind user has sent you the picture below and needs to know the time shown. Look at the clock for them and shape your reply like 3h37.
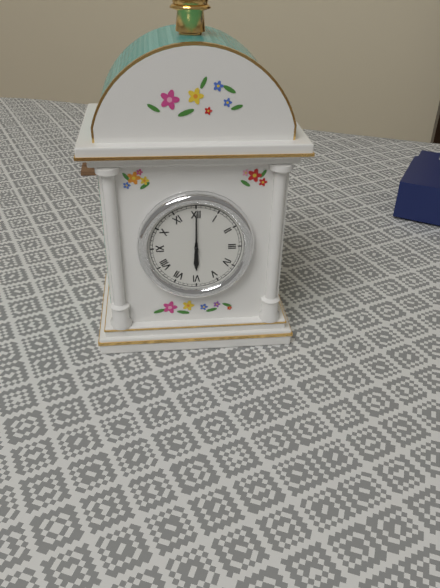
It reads 6h00
